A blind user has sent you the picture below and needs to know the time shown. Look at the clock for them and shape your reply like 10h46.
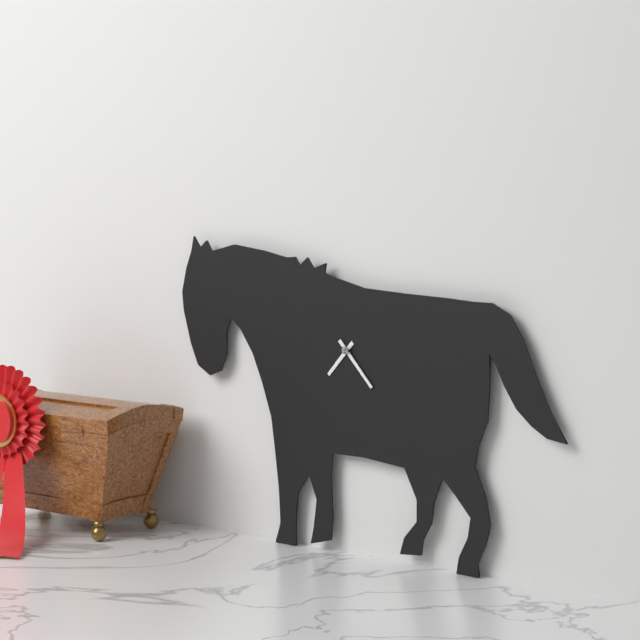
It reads 7h23
